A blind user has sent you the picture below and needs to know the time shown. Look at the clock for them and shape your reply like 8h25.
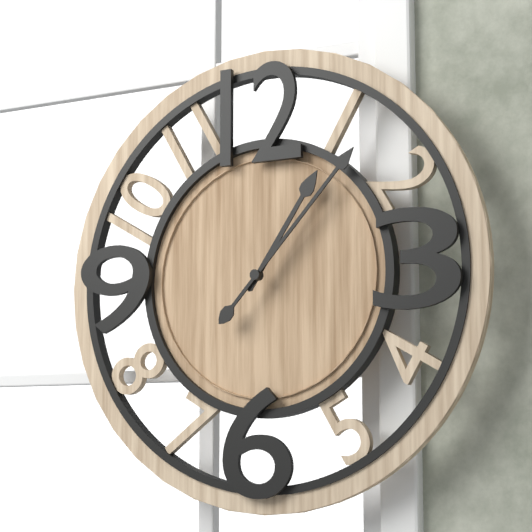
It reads 1h07
